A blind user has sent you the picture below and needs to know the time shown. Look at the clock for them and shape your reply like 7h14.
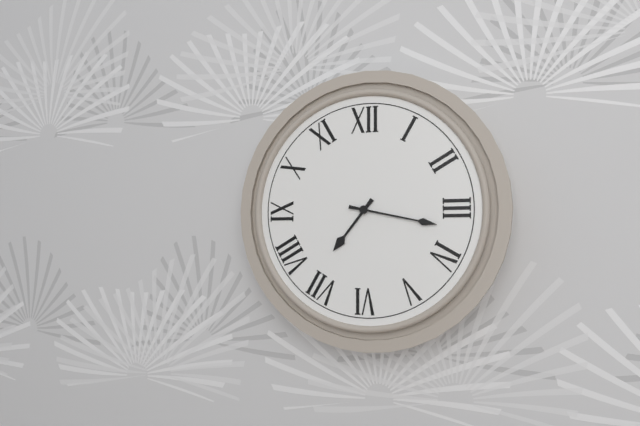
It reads 7h17
